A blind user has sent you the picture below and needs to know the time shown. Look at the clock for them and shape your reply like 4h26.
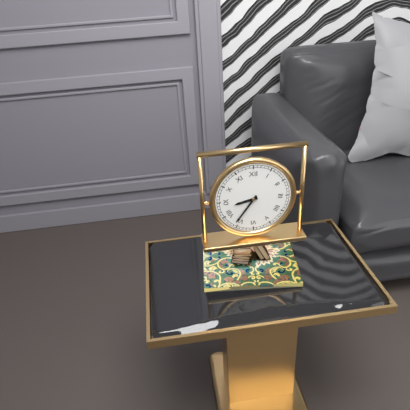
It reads 8h36
